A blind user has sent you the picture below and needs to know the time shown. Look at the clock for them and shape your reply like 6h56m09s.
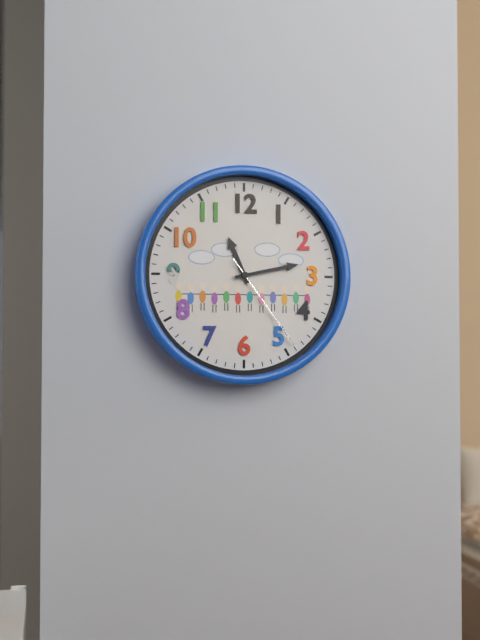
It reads 11h13m24s
